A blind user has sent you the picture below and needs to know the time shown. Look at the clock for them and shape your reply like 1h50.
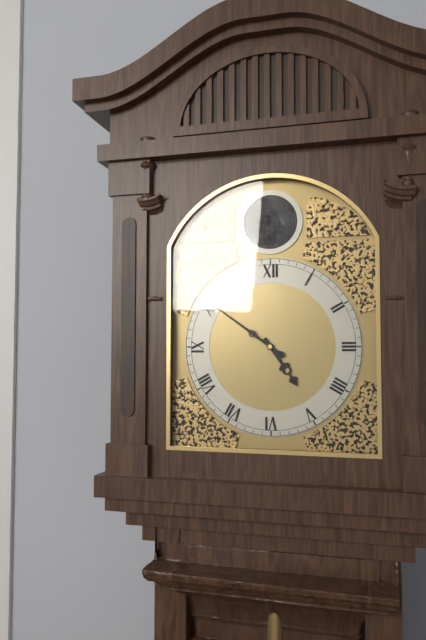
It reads 4h51
